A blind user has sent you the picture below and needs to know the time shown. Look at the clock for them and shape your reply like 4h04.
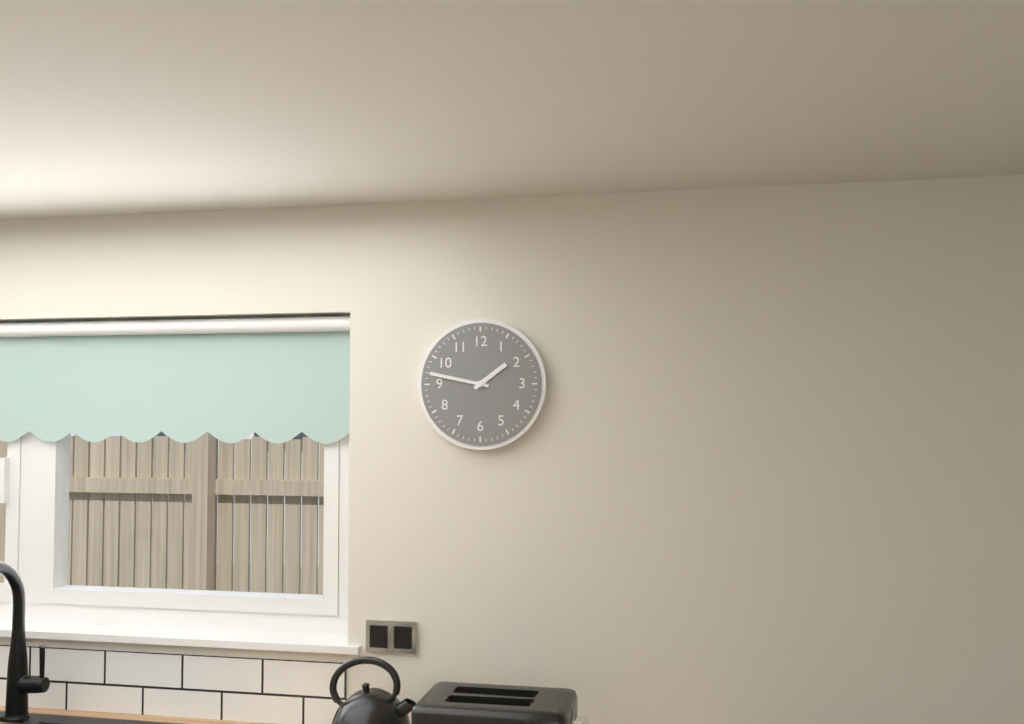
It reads 1h47
